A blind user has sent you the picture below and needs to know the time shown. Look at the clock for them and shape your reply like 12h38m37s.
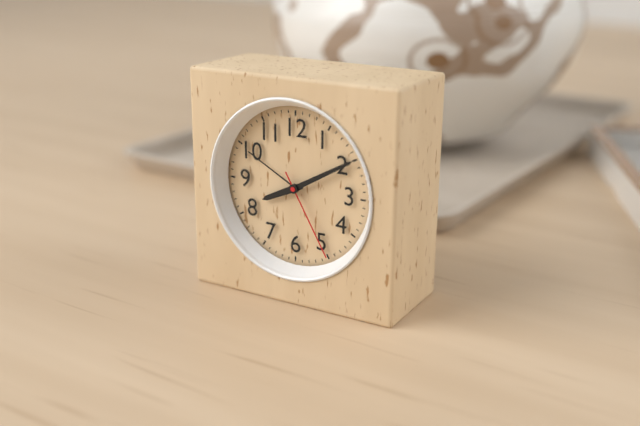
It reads 8h10m25s
